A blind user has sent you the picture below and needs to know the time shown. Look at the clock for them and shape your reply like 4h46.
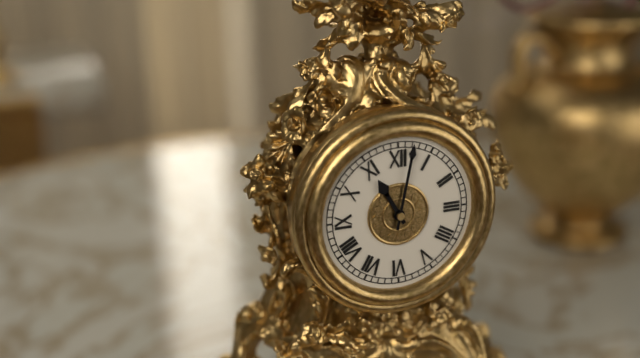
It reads 11h02
